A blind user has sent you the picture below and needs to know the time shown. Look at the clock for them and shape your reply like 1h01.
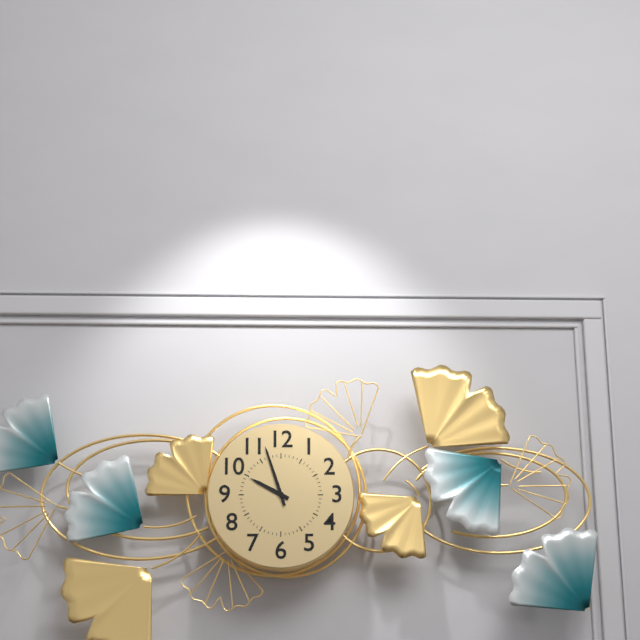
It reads 9h57
